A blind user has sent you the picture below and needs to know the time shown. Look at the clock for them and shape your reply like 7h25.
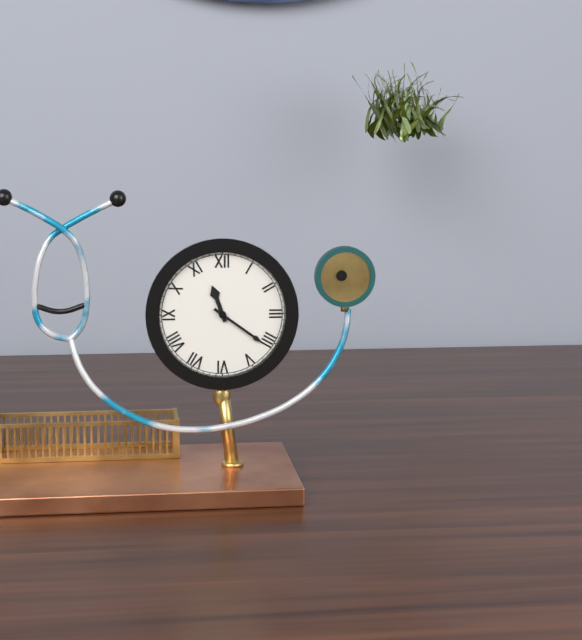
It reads 11h21
